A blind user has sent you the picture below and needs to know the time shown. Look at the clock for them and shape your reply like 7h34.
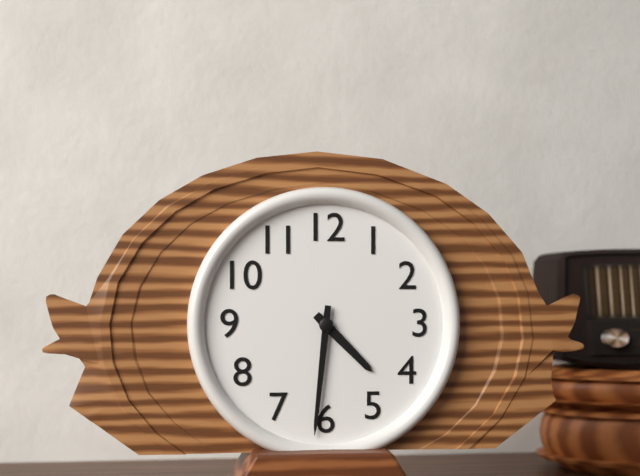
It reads 4h31
